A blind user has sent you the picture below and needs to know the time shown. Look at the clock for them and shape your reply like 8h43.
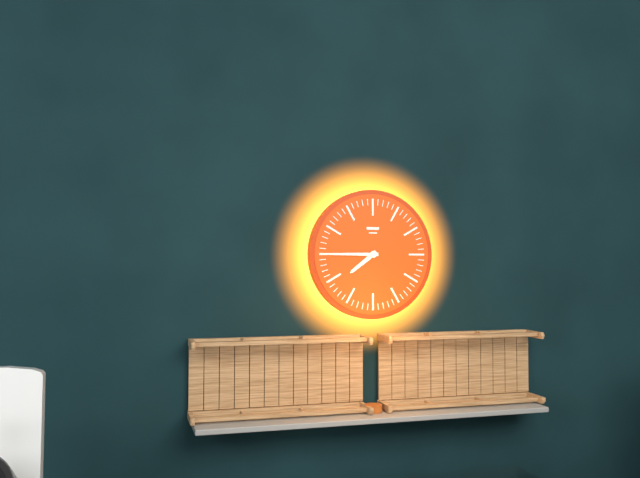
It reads 7h45
